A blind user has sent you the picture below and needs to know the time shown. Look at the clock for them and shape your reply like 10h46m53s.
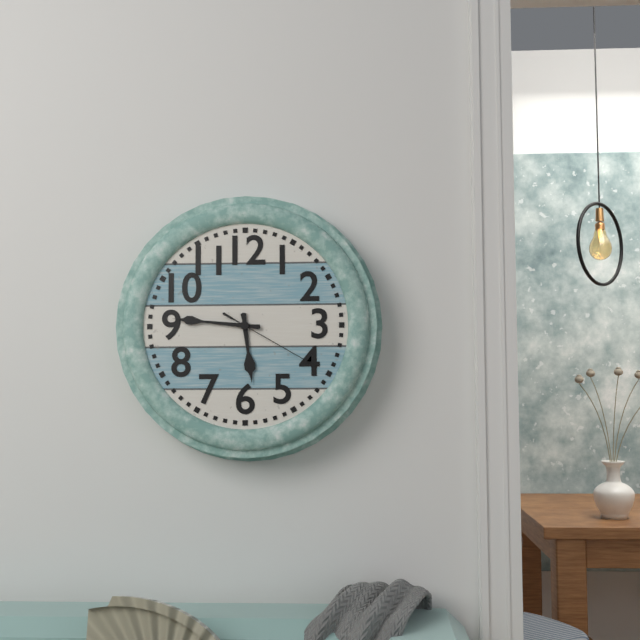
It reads 5h46m20s
